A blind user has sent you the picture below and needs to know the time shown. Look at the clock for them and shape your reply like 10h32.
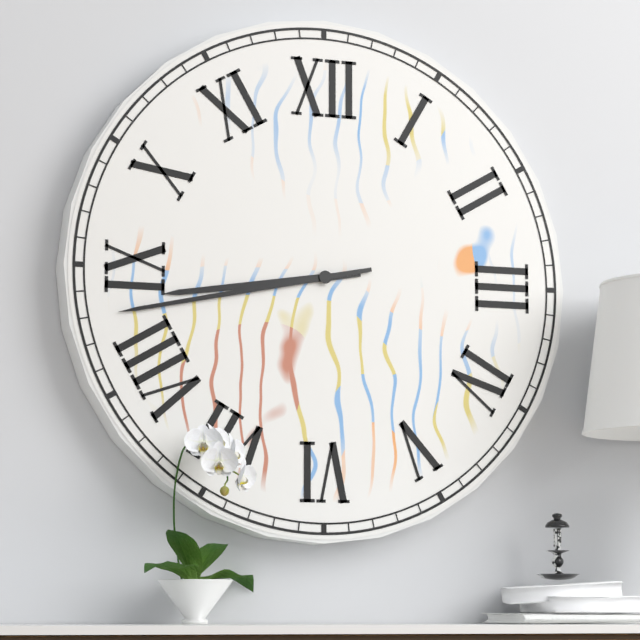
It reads 8h43
